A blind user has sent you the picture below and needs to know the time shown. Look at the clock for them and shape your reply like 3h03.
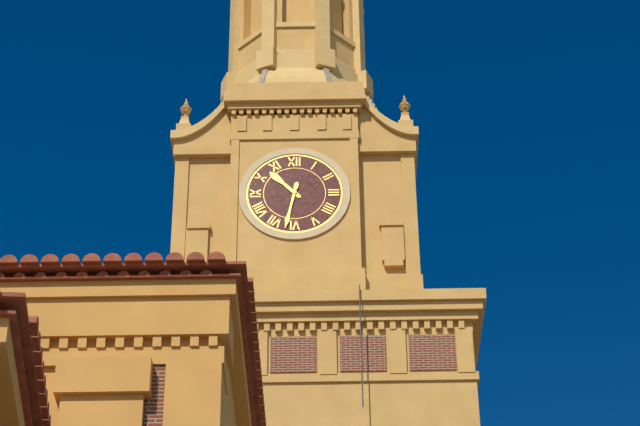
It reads 10h32
